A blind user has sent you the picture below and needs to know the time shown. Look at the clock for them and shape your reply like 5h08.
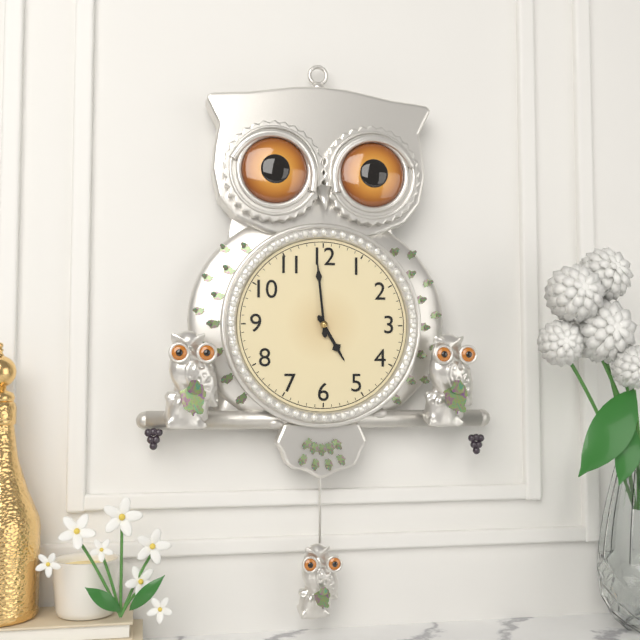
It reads 4h59
